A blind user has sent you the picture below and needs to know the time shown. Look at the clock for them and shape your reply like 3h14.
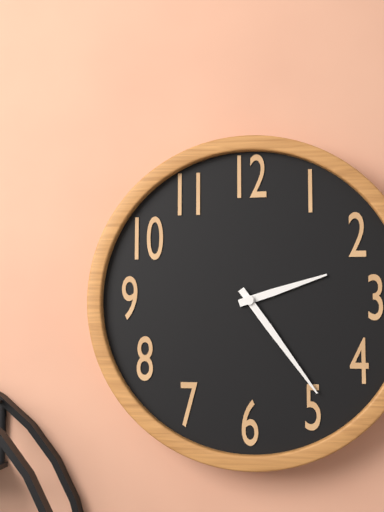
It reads 2h24
